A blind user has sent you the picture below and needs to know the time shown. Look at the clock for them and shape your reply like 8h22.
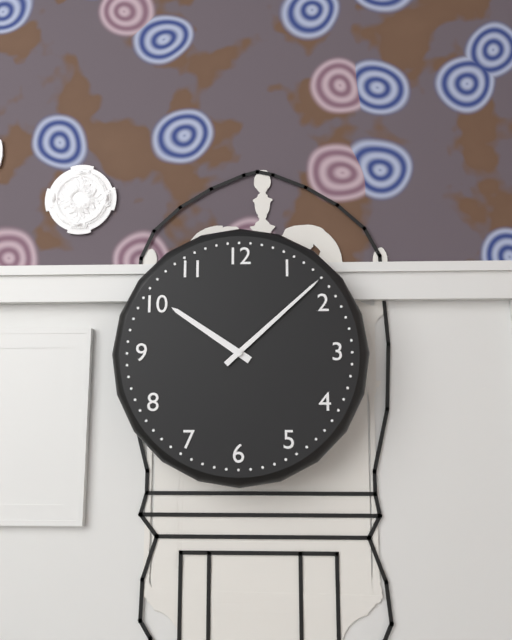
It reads 10h08
